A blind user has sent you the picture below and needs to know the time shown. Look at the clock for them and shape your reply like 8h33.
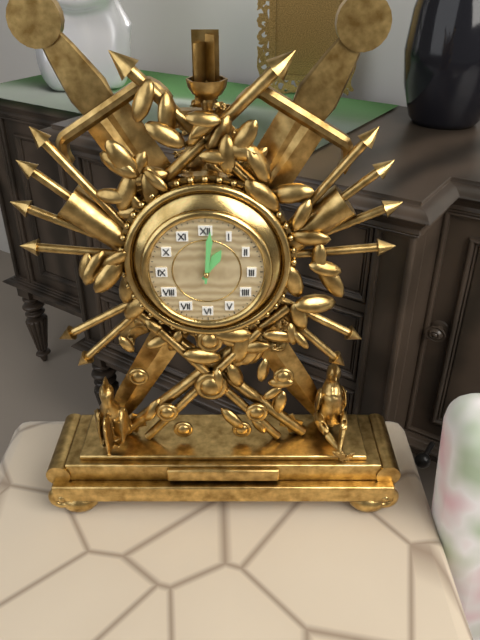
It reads 1h01
